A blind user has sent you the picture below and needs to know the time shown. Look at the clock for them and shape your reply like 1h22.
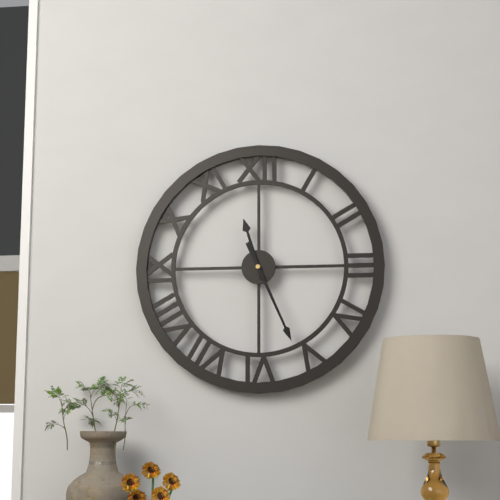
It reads 11h26
